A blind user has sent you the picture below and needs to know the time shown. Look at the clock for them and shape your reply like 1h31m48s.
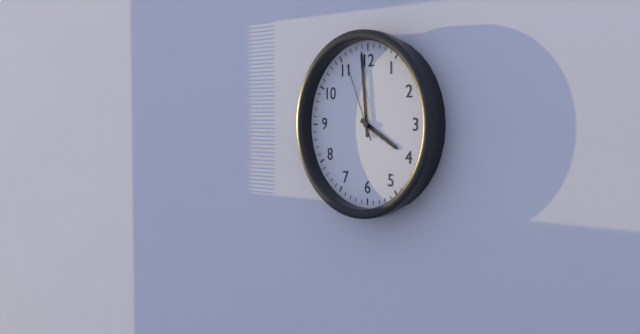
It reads 3h59m56s
